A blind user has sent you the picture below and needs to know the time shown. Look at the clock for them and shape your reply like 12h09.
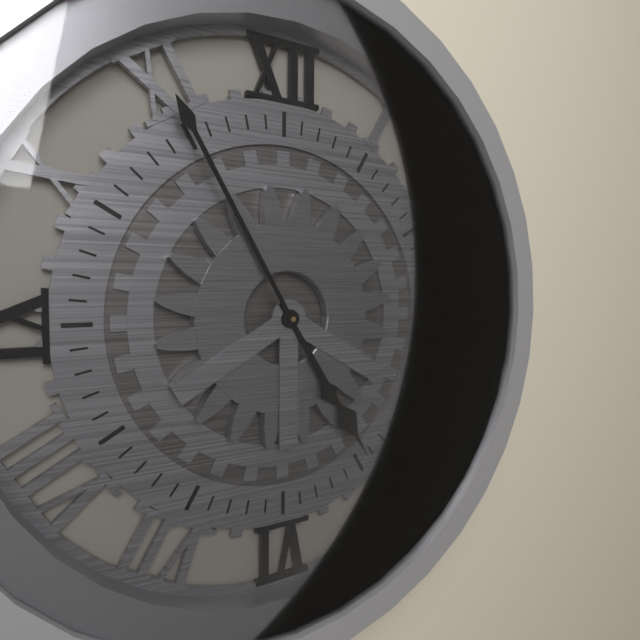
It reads 4h55
